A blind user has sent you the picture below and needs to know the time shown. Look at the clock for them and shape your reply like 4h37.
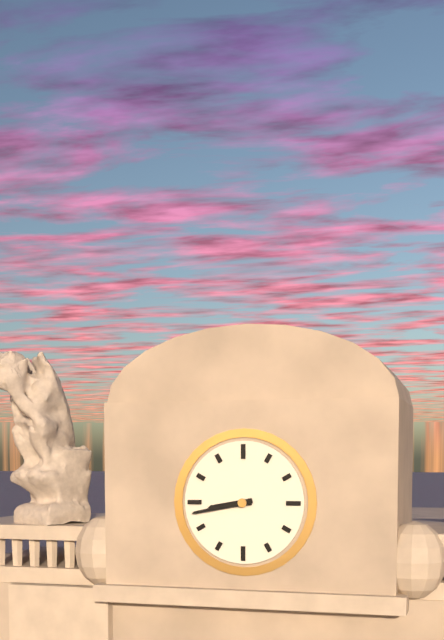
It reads 8h43
